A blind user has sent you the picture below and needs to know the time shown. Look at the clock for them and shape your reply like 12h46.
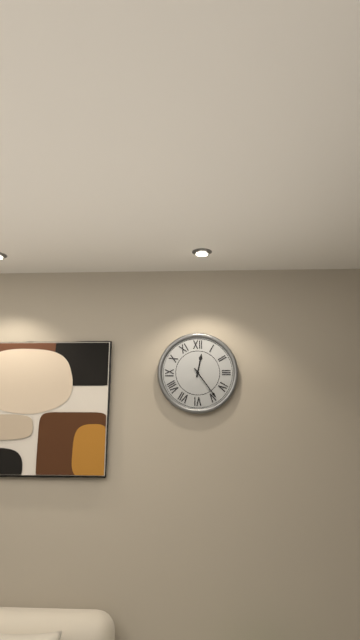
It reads 12h24
